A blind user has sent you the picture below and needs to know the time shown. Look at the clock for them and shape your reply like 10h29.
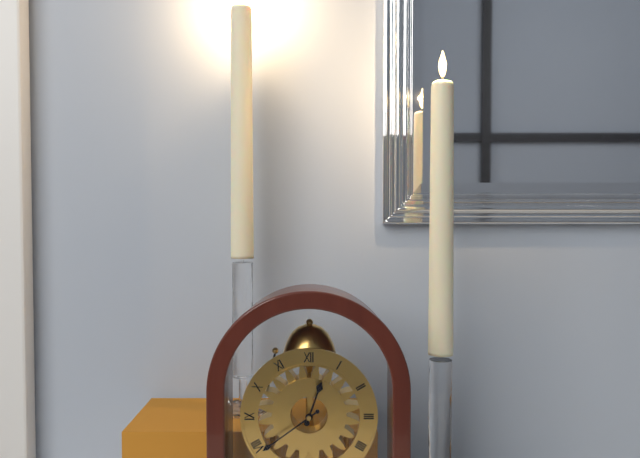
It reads 12h39
